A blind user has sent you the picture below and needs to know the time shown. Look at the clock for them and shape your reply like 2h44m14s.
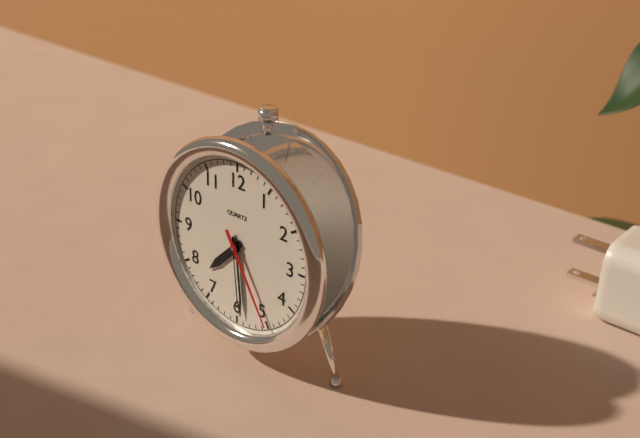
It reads 7h29m25s
